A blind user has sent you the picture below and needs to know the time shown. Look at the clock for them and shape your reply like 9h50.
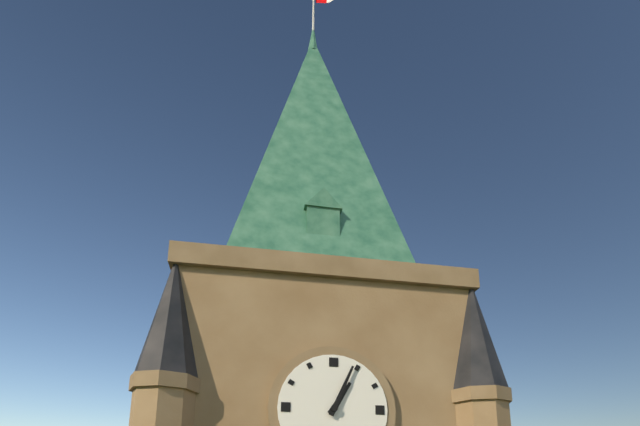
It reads 1h04
